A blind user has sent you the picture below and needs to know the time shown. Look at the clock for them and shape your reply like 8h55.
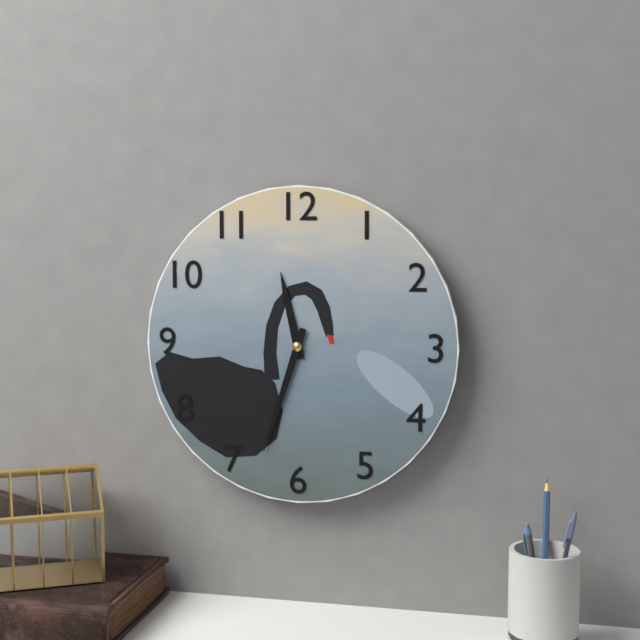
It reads 11h33
